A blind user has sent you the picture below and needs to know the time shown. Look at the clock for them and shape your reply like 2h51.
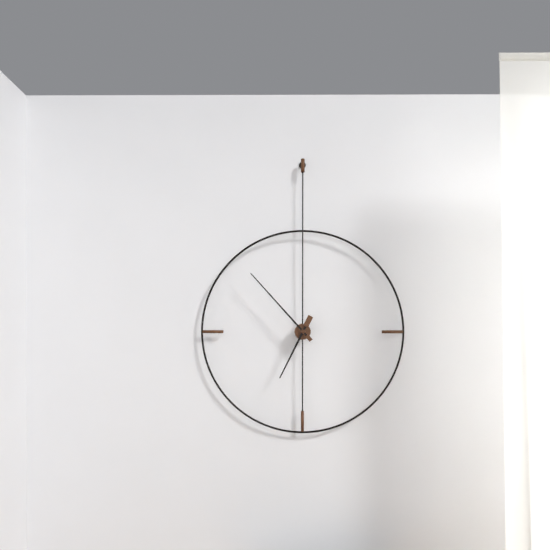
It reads 6h53
